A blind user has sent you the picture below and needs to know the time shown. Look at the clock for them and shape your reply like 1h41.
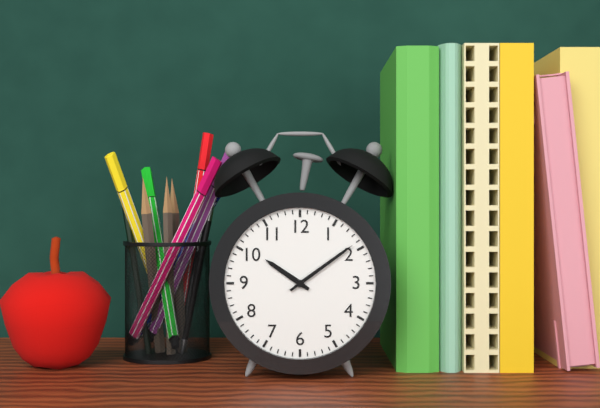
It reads 10h09
